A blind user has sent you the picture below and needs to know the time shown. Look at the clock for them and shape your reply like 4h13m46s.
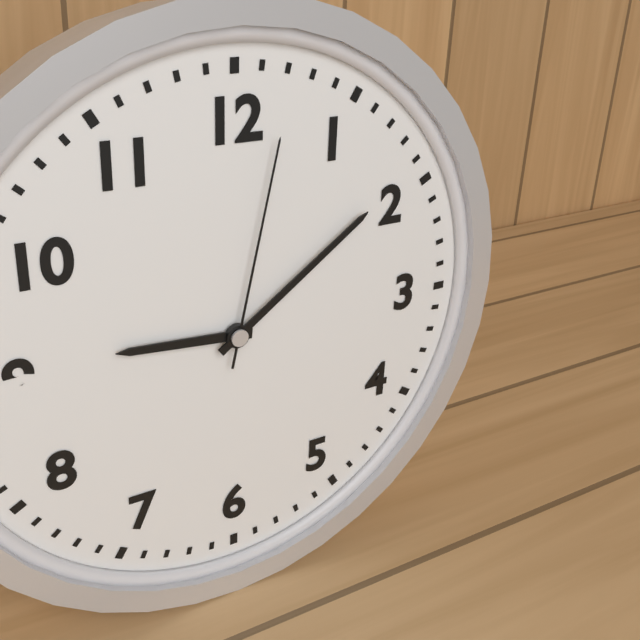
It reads 9h09m02s
